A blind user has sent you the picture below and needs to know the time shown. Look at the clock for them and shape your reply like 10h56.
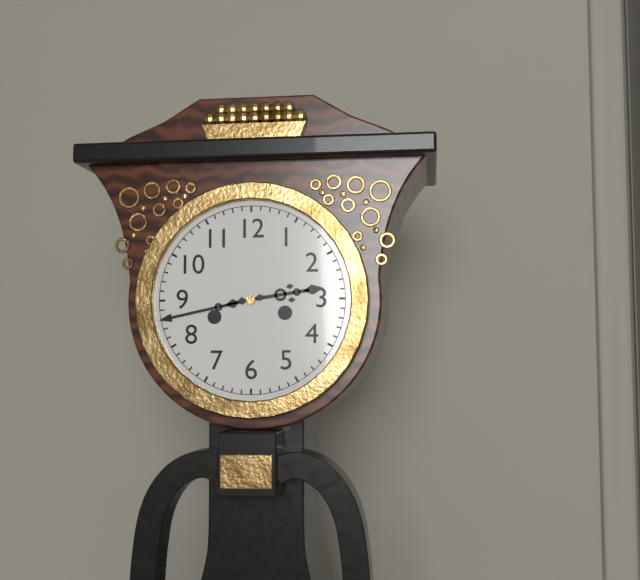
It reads 2h43
